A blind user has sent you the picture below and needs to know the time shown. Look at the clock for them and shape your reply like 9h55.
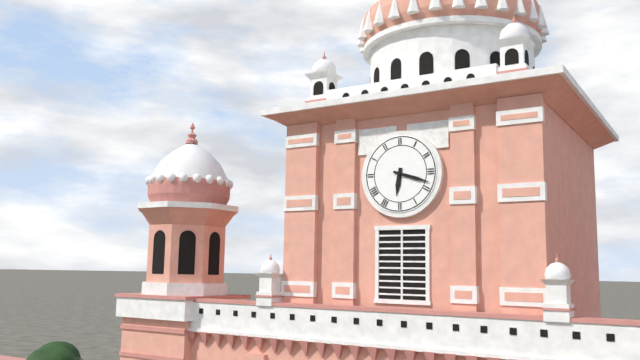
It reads 6h18
